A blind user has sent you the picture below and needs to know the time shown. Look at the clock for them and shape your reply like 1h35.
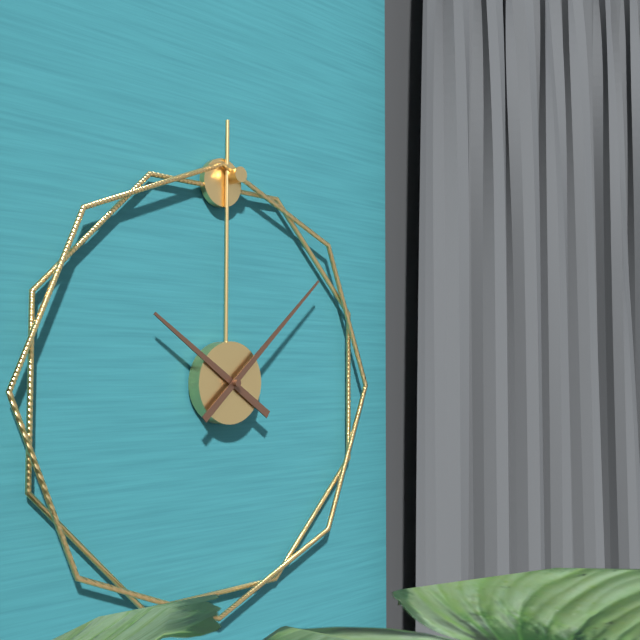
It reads 10h08
